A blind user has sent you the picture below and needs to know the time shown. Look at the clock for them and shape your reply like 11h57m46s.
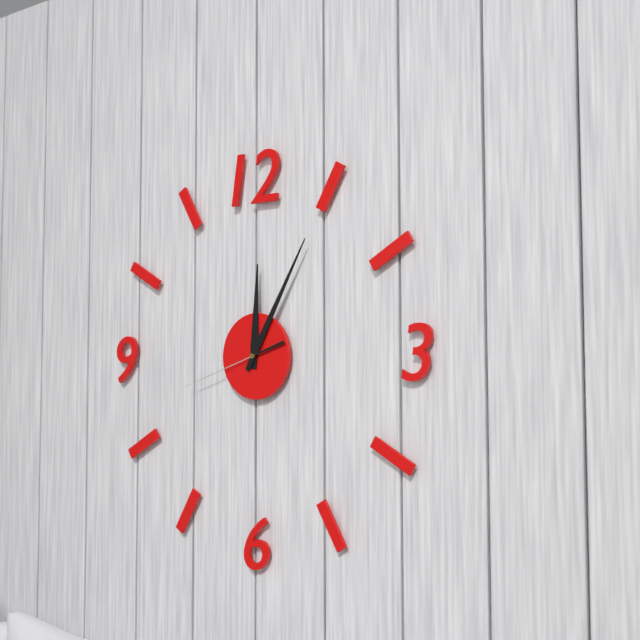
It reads 12h05m42s
